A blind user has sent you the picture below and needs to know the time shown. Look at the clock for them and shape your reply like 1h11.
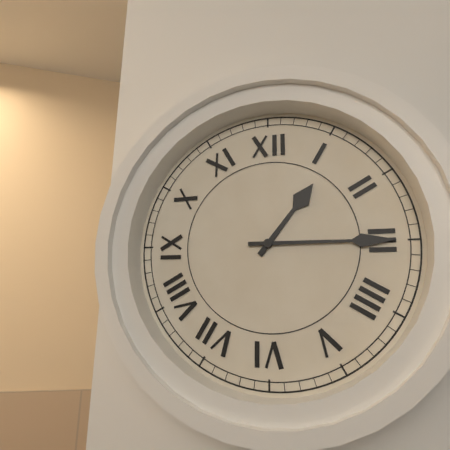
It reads 1h15
